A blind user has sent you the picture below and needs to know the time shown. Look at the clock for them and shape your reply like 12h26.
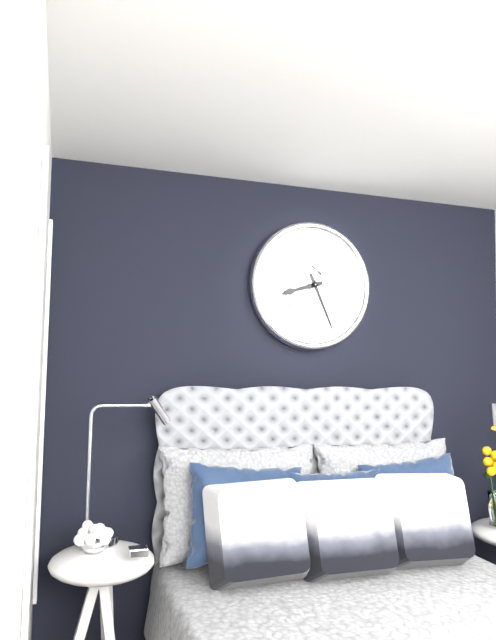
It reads 8h26
